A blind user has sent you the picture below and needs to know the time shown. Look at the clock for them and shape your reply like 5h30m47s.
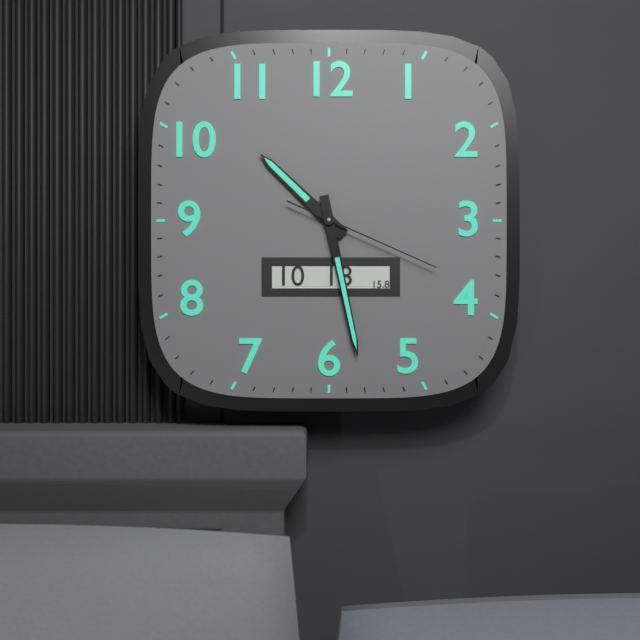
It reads 10h28m19s
